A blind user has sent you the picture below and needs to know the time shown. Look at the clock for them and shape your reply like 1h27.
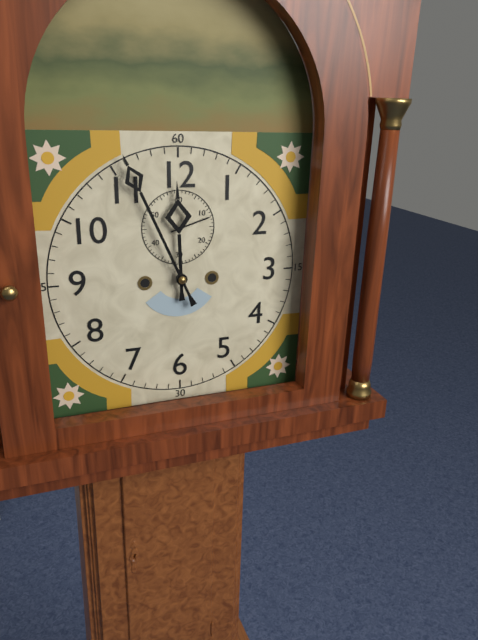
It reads 11h56
